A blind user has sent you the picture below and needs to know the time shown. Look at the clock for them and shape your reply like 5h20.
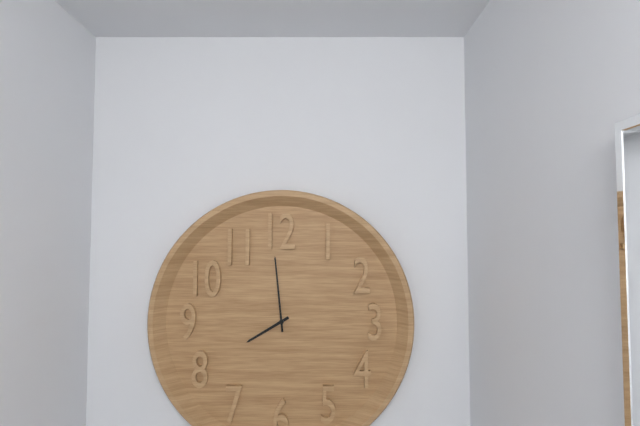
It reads 7h59
